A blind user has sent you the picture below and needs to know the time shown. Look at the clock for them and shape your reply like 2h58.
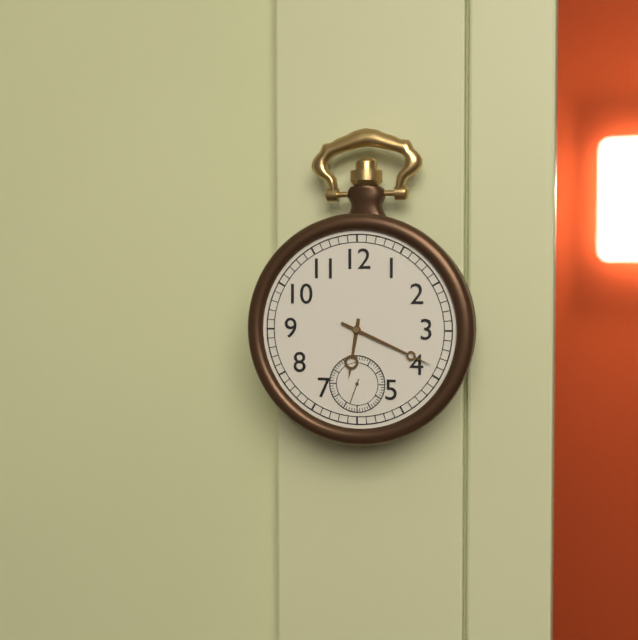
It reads 6h19
